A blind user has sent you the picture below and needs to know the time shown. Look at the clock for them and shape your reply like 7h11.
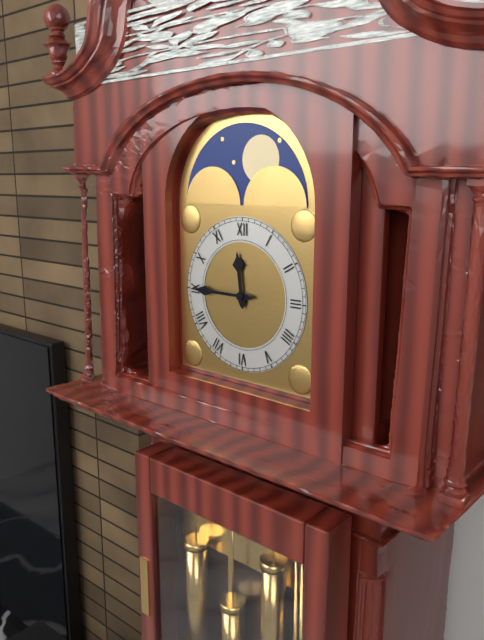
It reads 11h45
